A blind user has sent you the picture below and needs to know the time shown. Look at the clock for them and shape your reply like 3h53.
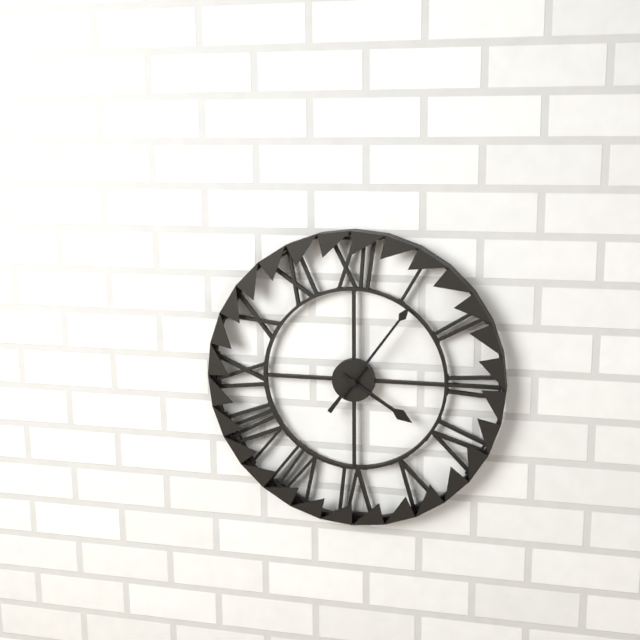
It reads 4h06
